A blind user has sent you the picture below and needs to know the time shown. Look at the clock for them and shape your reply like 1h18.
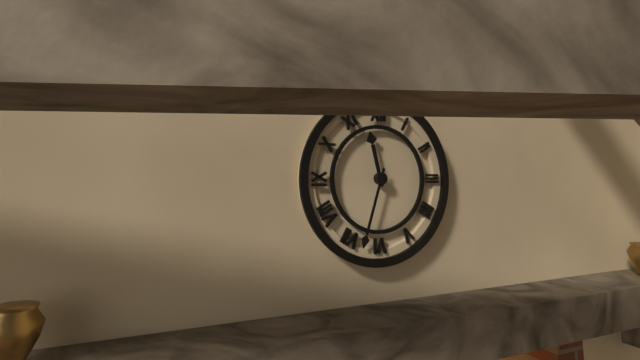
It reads 11h33
